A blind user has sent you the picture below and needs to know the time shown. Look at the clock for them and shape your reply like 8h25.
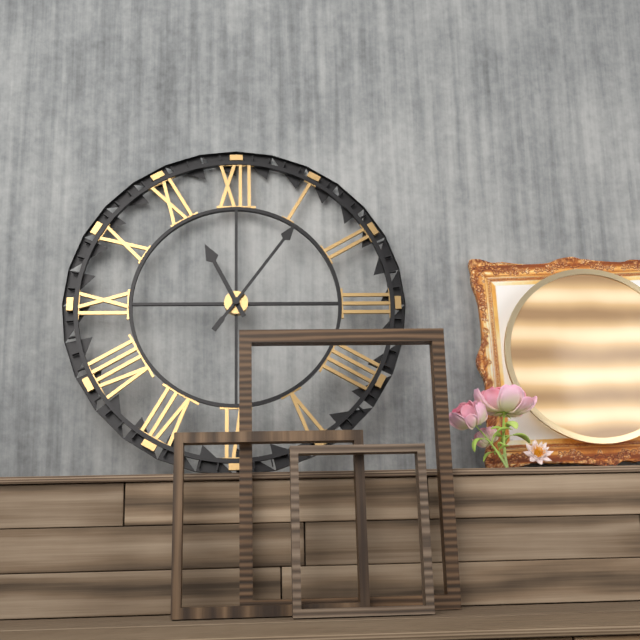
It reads 11h06
